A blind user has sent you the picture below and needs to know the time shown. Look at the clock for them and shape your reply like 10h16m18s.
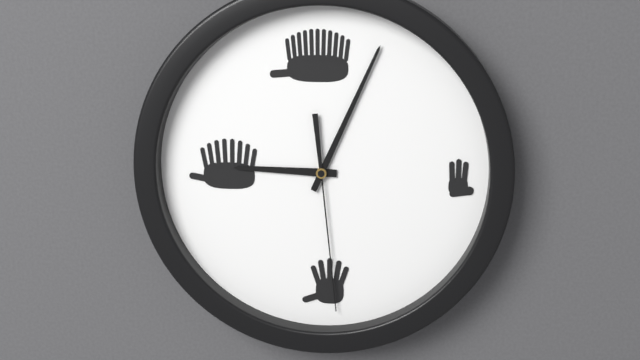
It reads 9h04m29s
